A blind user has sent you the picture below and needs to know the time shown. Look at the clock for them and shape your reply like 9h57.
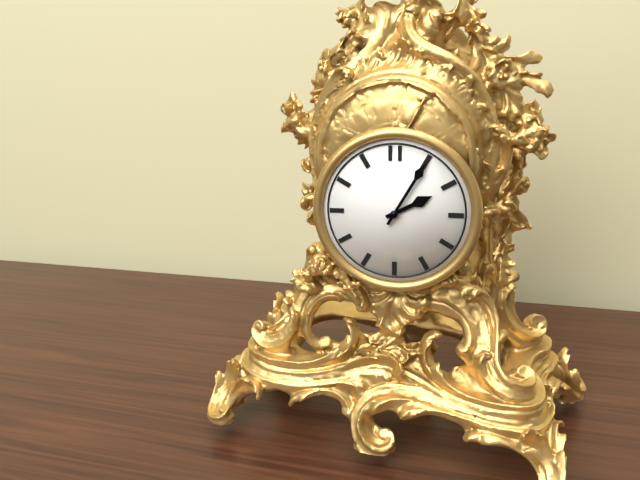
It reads 2h05
